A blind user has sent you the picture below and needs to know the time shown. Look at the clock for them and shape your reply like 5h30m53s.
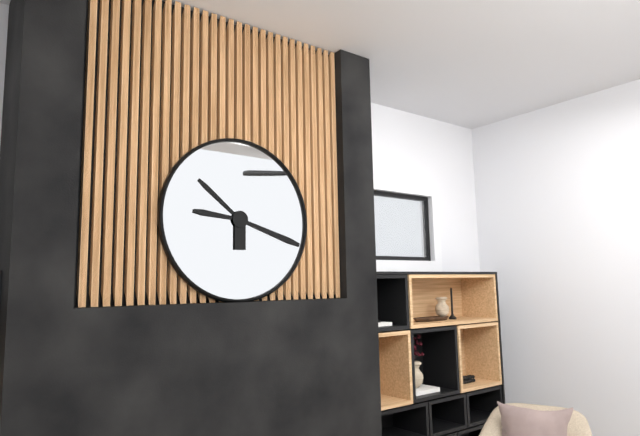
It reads 10h18m46s
